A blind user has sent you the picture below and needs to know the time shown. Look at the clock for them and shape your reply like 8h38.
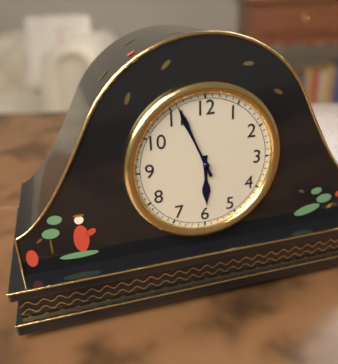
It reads 5h56
